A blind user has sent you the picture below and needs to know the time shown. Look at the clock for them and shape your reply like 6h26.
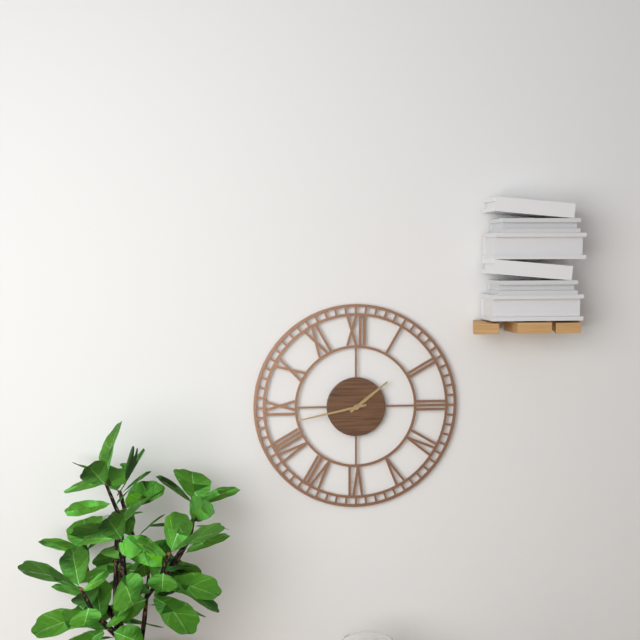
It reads 1h43
